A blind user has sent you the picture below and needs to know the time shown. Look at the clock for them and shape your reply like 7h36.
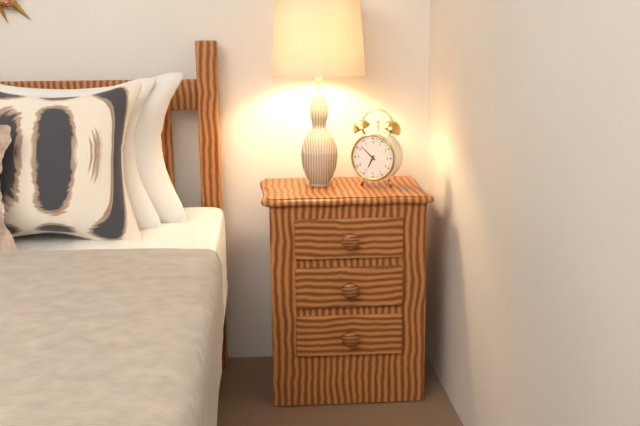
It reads 6h52
